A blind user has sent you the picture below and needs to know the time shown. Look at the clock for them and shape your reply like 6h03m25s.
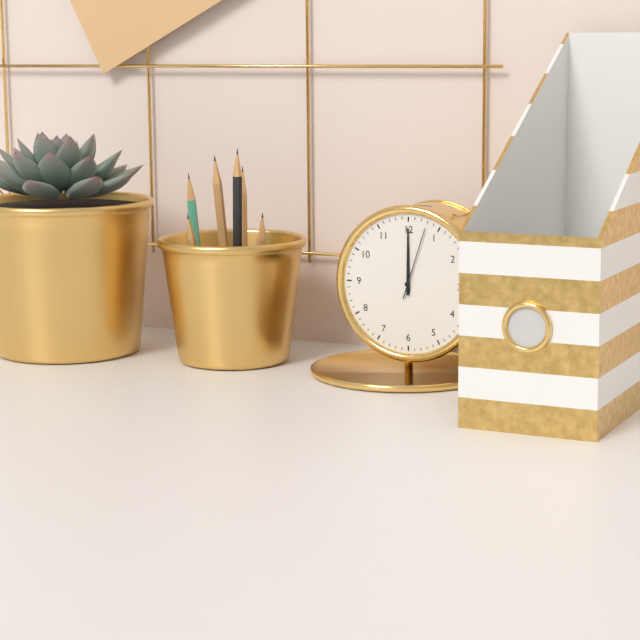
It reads 12h00m03s
